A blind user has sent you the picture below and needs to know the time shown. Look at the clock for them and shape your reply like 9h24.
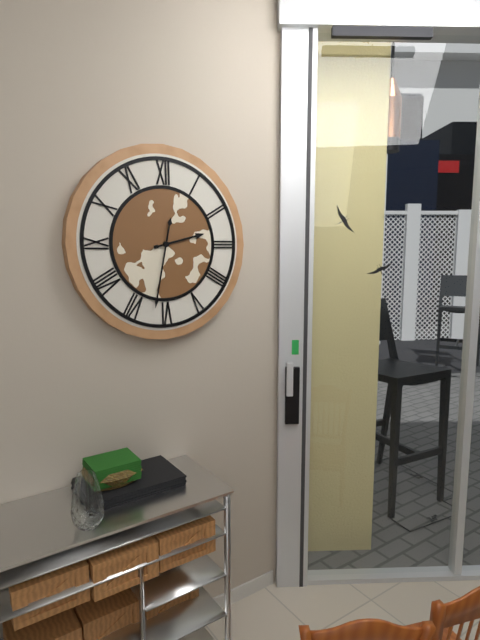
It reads 2h32
